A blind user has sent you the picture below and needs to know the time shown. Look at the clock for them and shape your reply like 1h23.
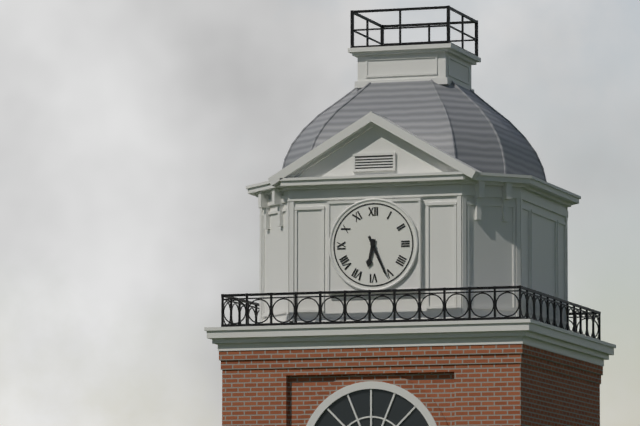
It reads 6h26
